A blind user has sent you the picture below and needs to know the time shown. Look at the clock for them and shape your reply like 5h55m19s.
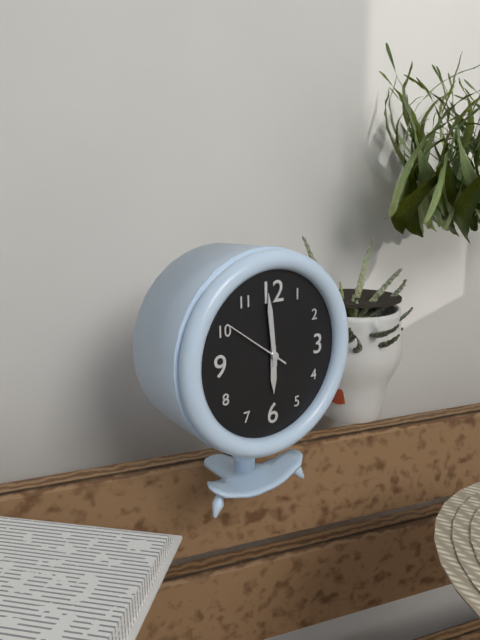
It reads 5h59m51s
